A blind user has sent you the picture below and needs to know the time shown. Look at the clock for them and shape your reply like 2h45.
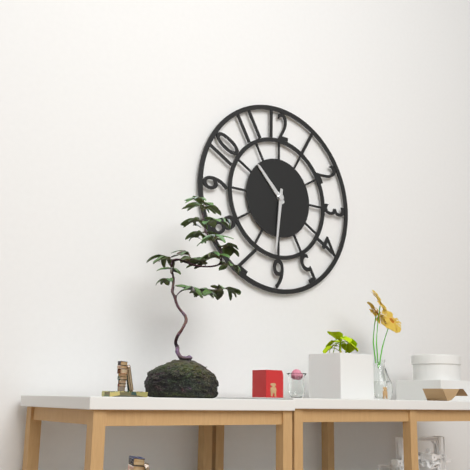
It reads 10h31
